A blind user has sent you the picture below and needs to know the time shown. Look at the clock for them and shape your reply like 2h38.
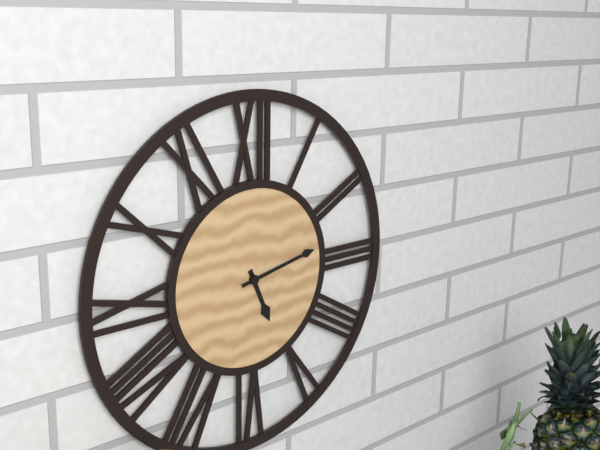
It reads 5h13
